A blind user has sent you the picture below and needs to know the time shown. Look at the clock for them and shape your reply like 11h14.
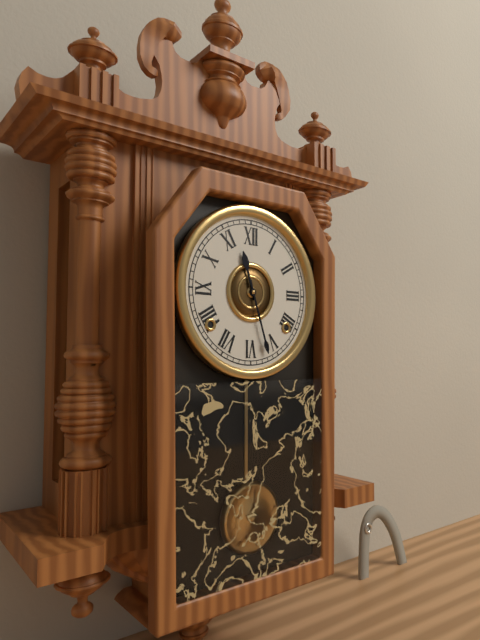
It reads 11h27
